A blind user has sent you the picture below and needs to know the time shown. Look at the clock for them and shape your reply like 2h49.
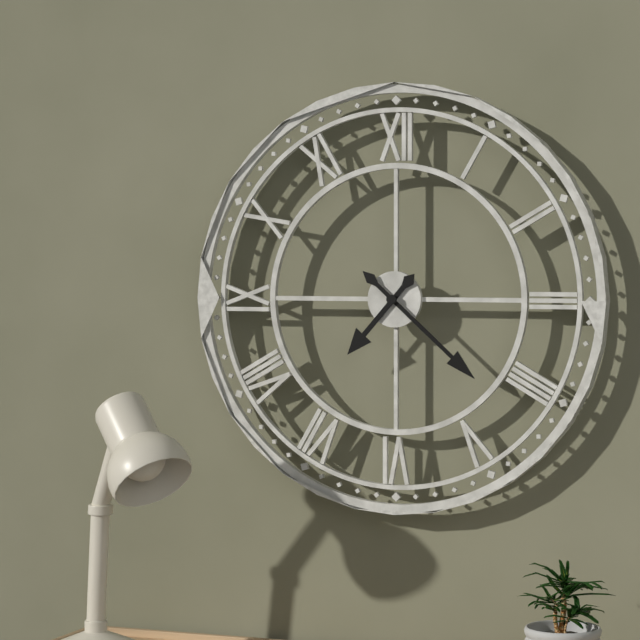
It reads 7h22
